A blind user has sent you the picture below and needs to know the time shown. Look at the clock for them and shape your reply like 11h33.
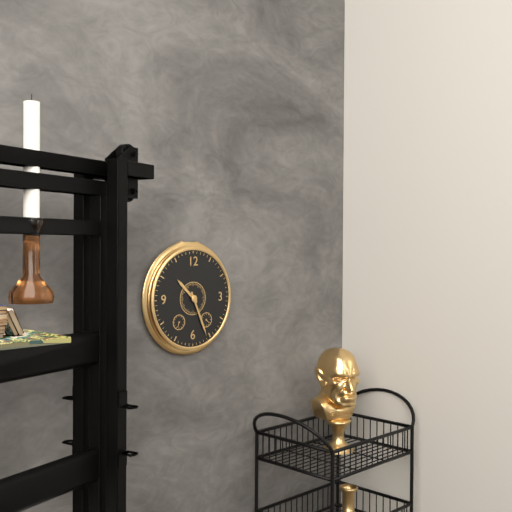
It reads 10h26
